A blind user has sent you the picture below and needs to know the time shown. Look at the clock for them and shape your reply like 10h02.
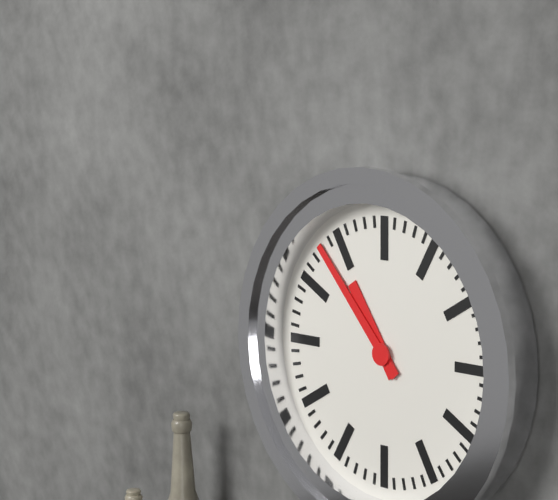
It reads 10h53
